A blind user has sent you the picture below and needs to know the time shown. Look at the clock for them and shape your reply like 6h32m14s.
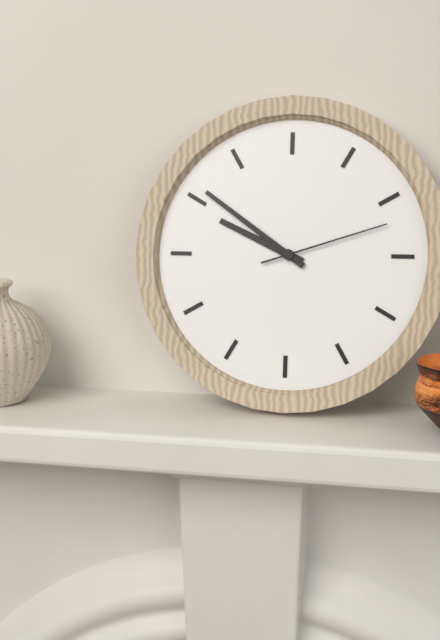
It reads 9h51m12s
